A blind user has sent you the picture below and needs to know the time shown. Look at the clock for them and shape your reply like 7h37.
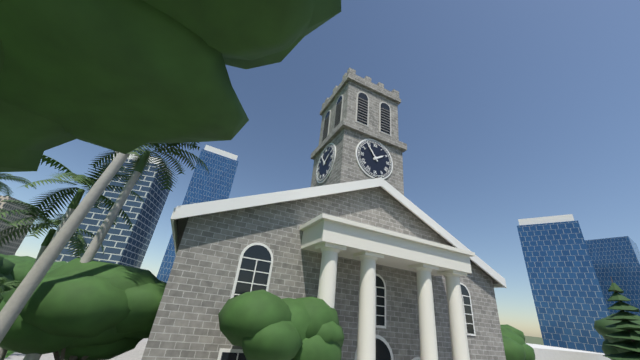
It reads 1h54
